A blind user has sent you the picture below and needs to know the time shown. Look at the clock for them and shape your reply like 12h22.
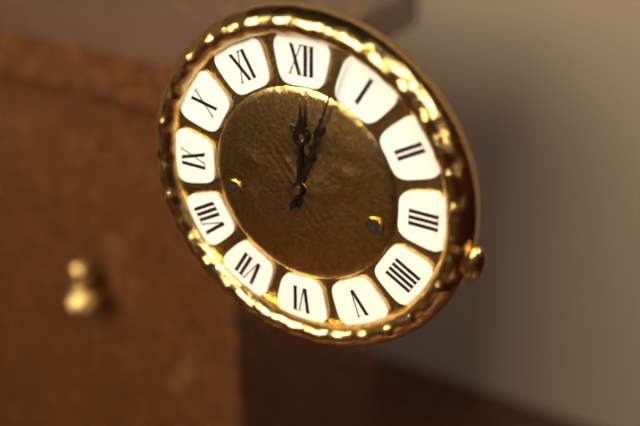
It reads 12h03
